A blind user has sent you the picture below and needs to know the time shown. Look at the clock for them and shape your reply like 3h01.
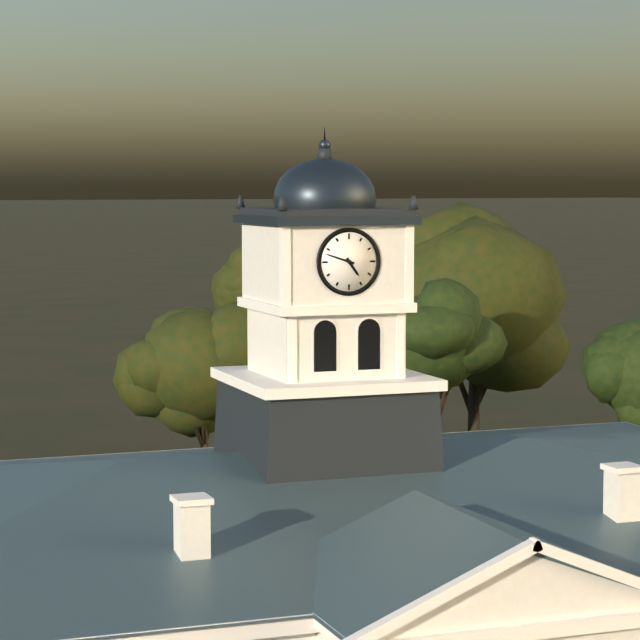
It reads 4h48
